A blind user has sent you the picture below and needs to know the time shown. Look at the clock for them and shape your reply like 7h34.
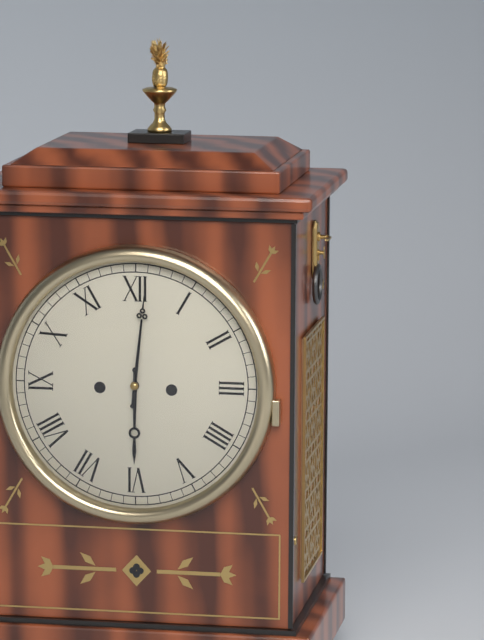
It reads 6h01
